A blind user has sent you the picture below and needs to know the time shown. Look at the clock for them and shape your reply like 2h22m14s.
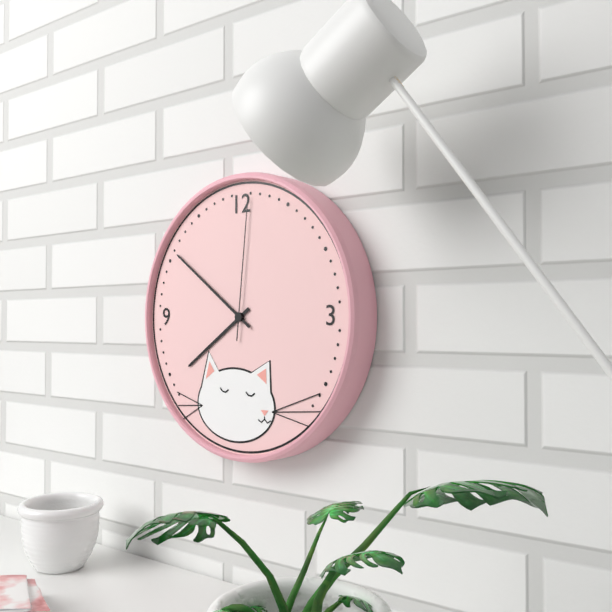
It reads 7h51m01s
